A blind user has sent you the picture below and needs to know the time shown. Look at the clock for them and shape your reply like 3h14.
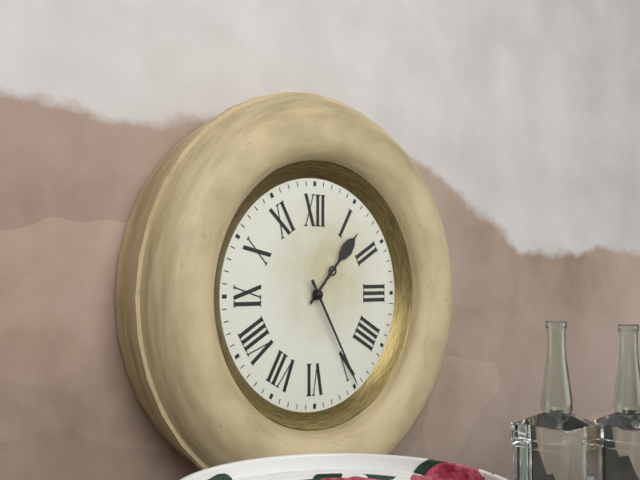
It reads 1h25
